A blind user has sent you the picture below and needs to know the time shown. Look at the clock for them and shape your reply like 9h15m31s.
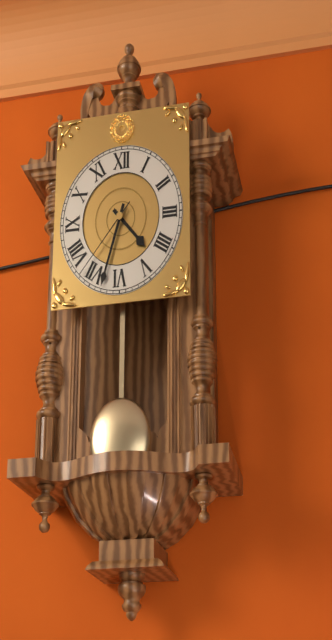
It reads 4h33m37s
